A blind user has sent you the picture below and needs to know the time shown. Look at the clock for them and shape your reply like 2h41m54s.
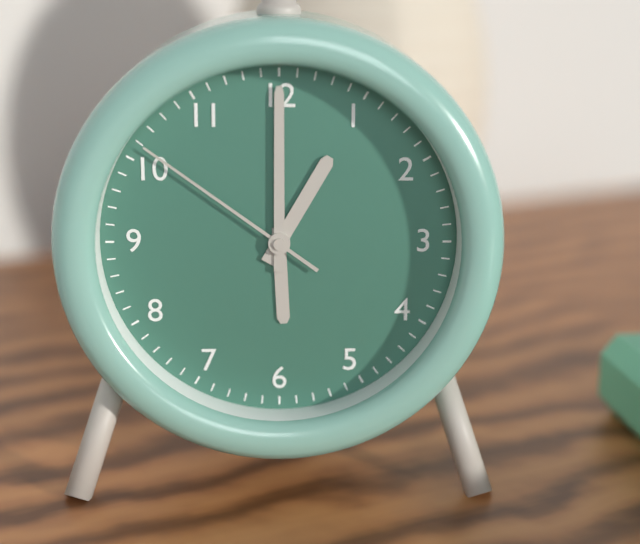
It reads 1h00m51s
